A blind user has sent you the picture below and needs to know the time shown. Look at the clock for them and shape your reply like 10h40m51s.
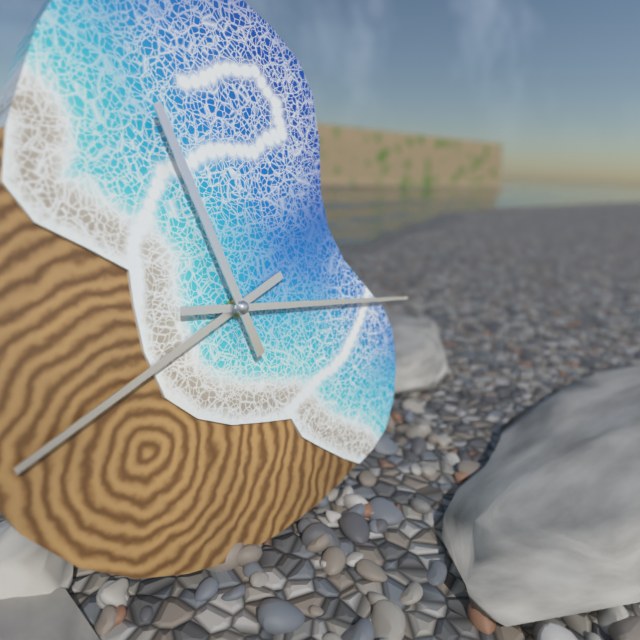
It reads 8h16m57s
